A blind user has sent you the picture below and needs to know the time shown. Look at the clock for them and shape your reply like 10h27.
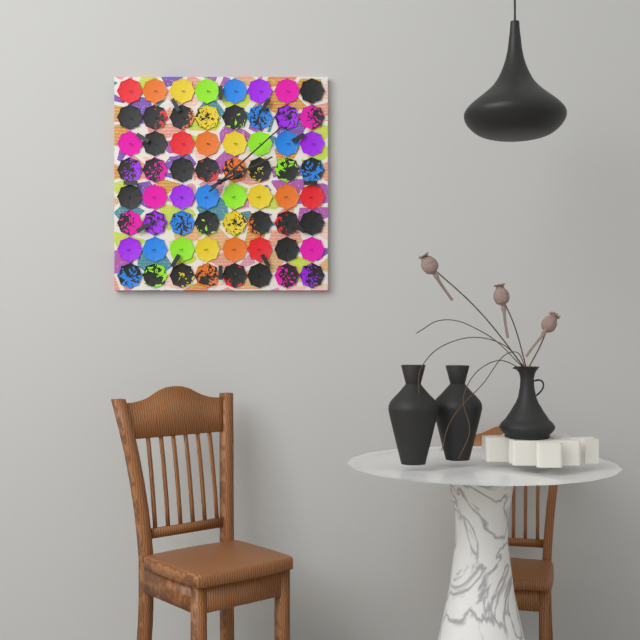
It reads 2h08
